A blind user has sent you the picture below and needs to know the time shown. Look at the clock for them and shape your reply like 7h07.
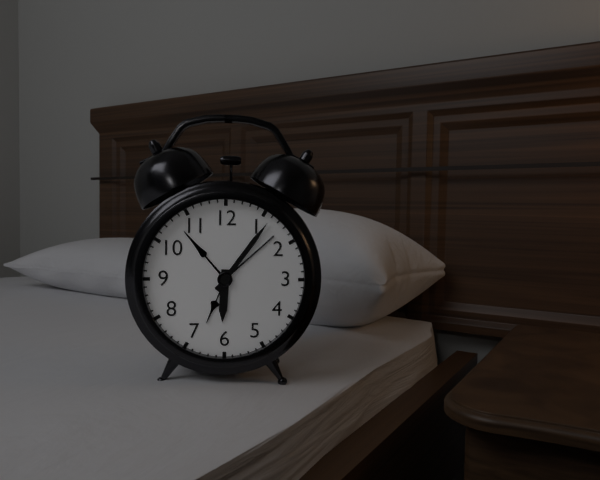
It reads 6h06
